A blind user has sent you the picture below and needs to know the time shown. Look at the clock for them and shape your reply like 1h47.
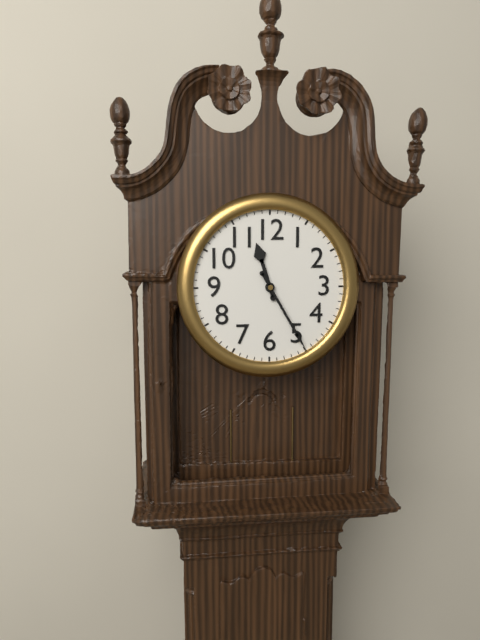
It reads 11h25
